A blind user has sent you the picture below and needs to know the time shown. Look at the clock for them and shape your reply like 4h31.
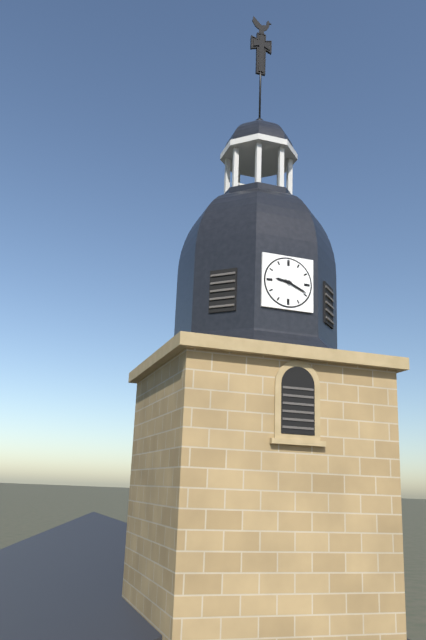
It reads 9h19
